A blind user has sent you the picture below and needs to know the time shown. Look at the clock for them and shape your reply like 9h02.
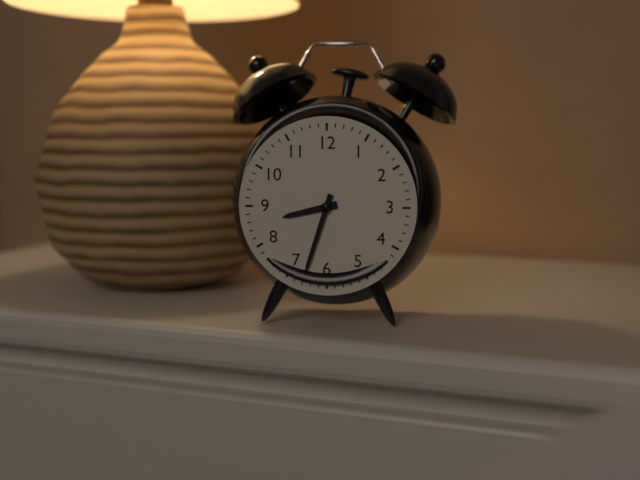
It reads 8h33
